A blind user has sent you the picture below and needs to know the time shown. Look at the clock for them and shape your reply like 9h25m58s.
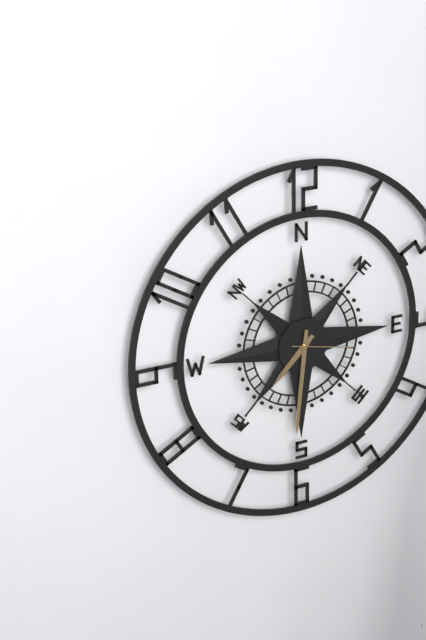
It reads 7h31m17s
